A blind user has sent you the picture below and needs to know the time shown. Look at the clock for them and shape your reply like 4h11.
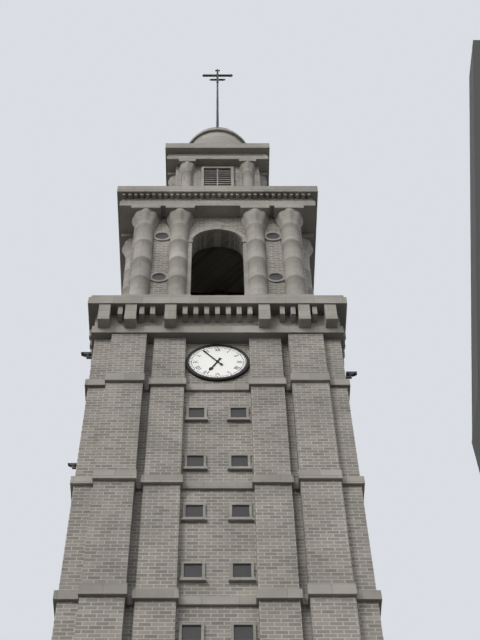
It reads 6h54
